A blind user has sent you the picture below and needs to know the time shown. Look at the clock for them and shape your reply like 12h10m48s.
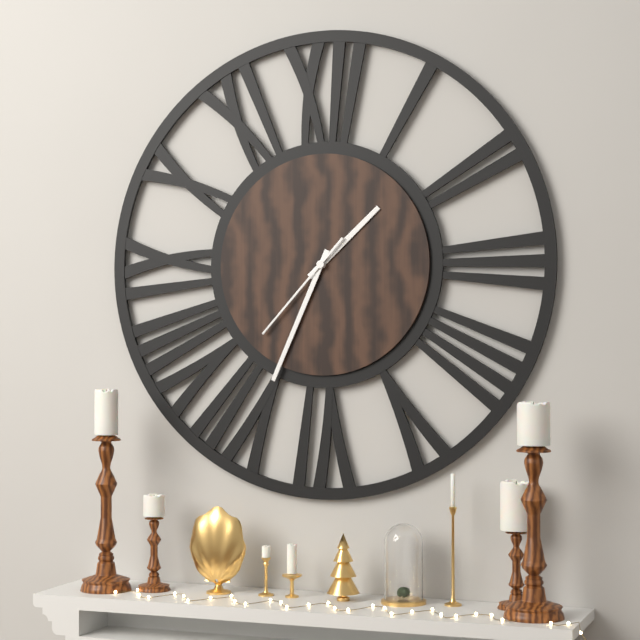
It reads 1h34m37s
